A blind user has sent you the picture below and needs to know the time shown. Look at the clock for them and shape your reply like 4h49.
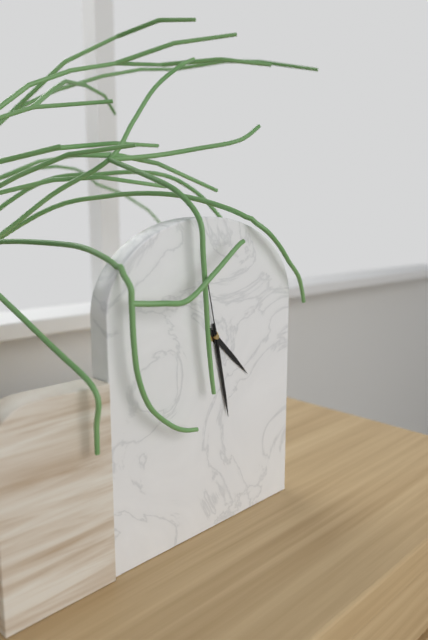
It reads 4h28
